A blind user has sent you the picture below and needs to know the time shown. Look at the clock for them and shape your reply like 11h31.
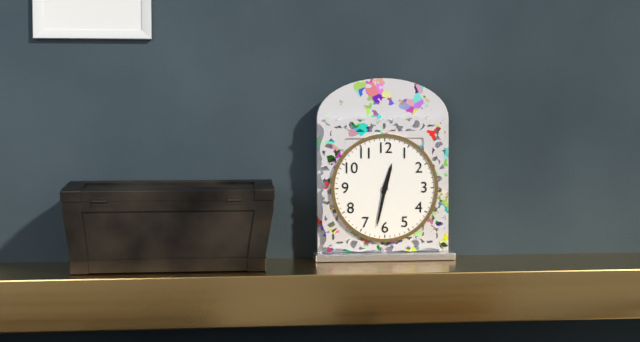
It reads 12h32
